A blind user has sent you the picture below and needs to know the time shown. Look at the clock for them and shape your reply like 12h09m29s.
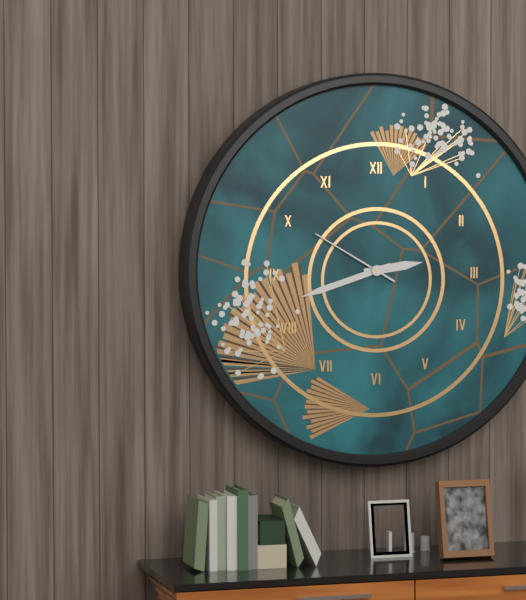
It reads 2h42m50s
